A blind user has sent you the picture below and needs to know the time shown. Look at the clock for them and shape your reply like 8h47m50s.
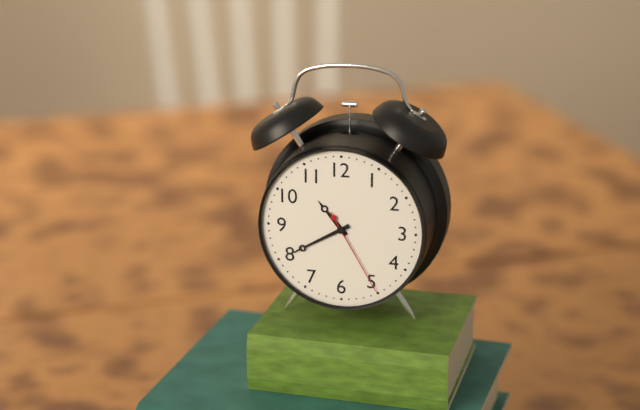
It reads 10h40m25s
